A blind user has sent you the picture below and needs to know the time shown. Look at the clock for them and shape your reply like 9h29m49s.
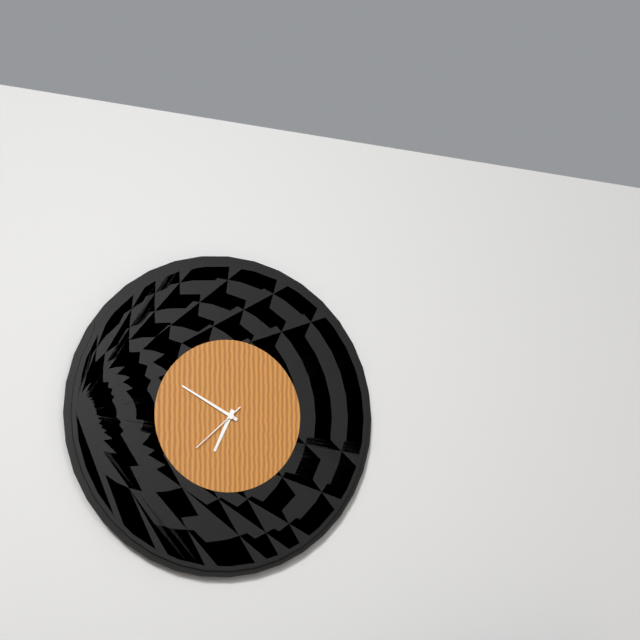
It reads 6h50m38s
